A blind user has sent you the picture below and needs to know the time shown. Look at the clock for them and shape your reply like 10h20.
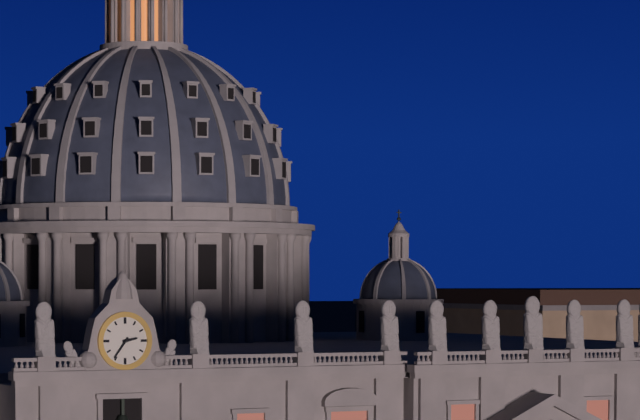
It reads 2h36
